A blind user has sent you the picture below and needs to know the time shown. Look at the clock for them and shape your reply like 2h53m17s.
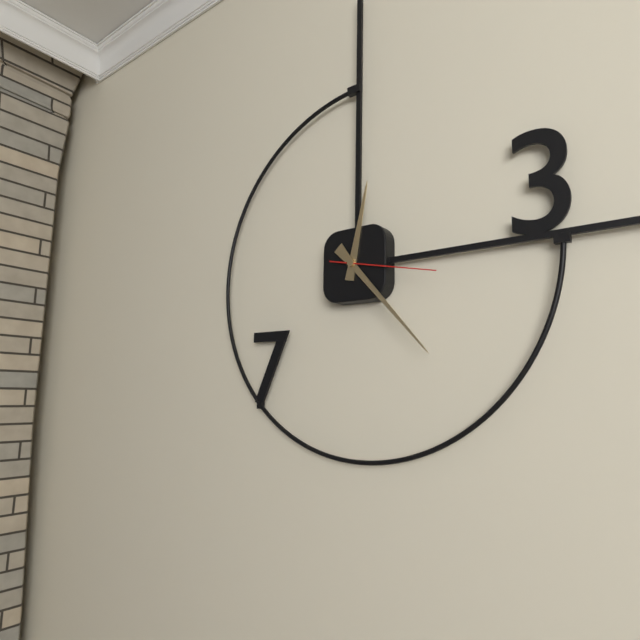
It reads 12h23m17s
